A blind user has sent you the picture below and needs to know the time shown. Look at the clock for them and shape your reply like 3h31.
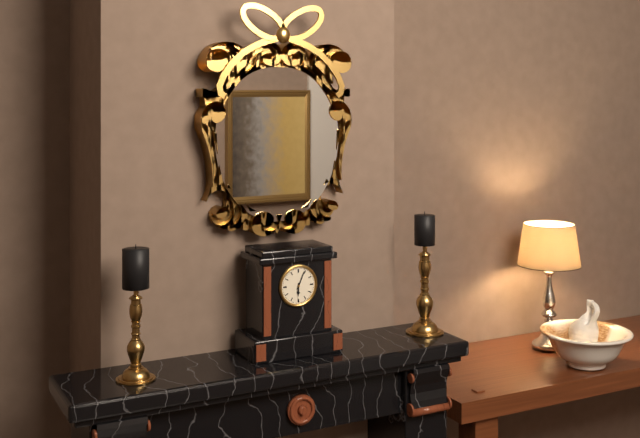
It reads 6h04
